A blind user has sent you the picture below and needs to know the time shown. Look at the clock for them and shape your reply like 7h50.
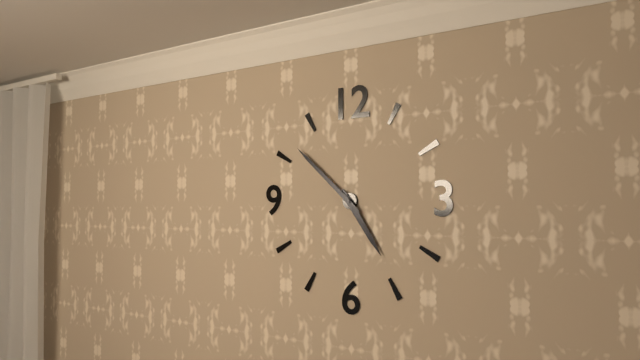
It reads 4h52
